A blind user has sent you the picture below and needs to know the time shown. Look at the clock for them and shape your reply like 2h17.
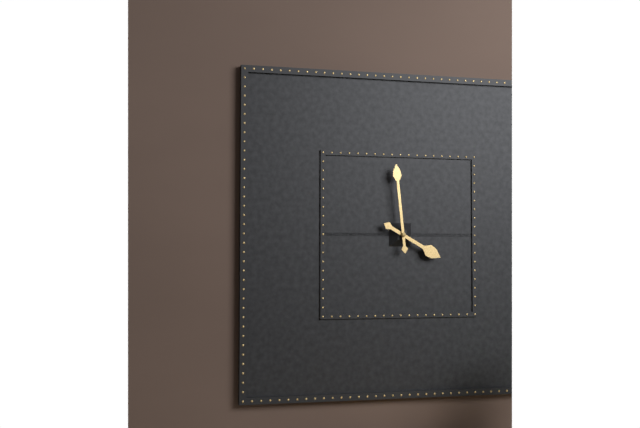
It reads 3h59
